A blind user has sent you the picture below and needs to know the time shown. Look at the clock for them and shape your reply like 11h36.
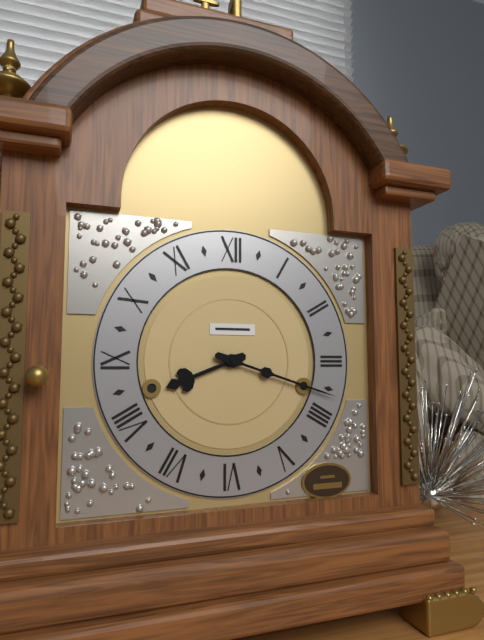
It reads 8h18
